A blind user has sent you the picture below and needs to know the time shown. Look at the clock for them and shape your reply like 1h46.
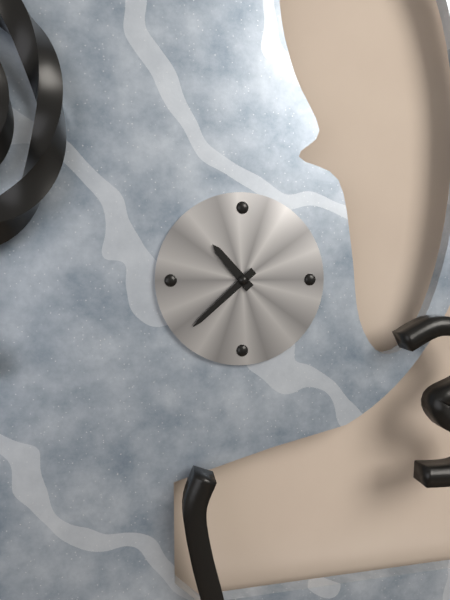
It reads 10h38
